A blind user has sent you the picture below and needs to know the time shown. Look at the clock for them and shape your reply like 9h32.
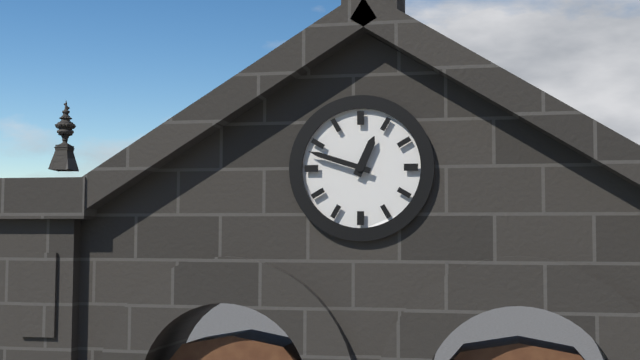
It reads 12h48
